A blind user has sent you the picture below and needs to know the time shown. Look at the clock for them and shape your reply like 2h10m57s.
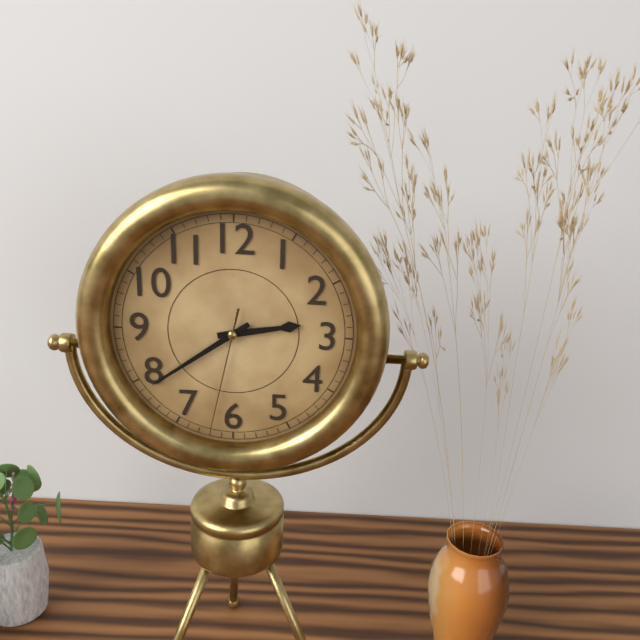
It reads 2h39m32s
